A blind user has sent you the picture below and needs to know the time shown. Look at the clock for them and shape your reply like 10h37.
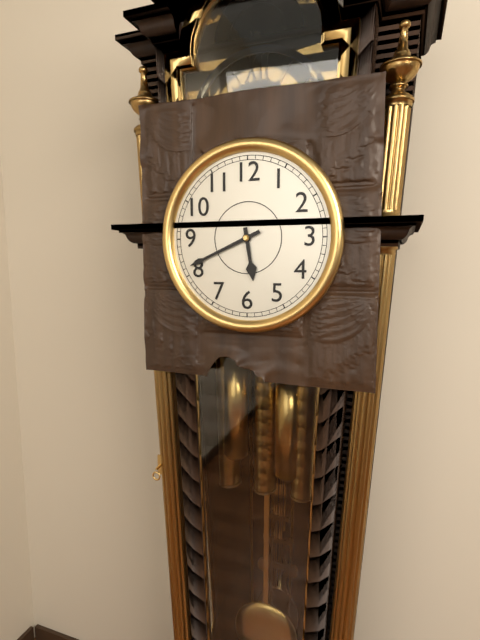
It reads 5h41
